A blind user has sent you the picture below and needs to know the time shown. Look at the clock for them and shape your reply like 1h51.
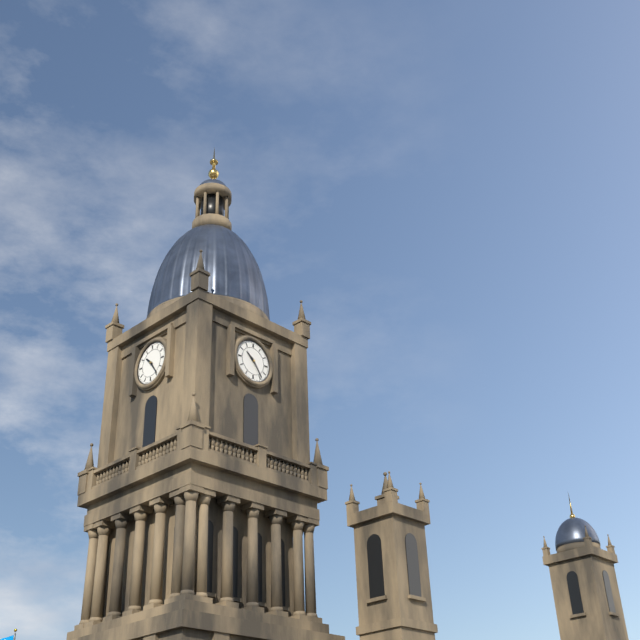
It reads 10h24
